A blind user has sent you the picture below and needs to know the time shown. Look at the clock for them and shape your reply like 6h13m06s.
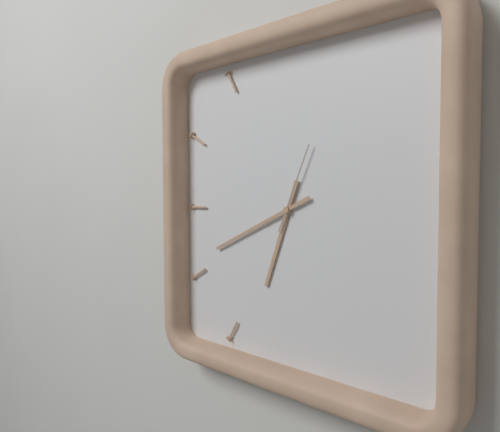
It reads 6h41m04s
